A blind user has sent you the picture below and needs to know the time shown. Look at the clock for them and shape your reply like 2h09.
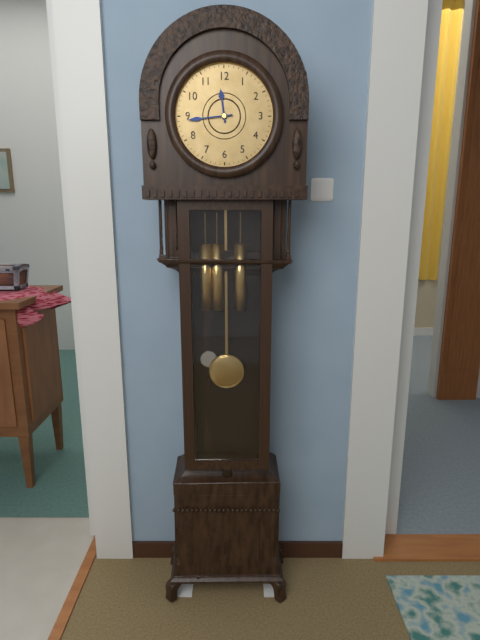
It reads 11h44
